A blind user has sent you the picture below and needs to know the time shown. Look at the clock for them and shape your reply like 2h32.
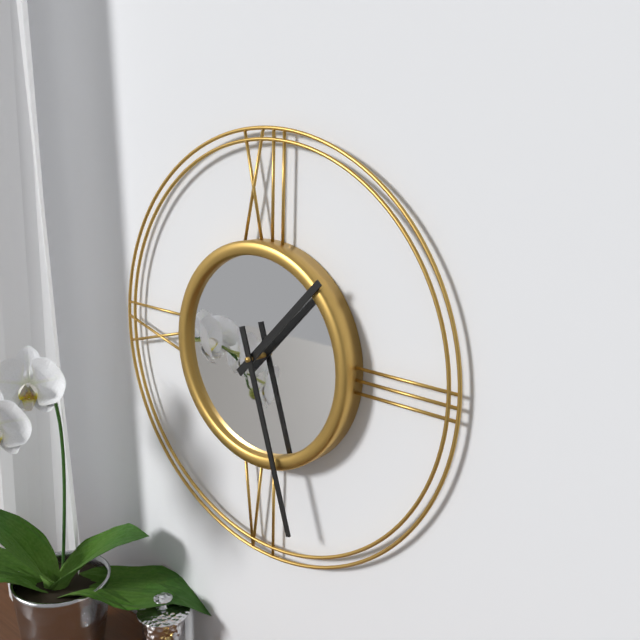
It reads 1h27
